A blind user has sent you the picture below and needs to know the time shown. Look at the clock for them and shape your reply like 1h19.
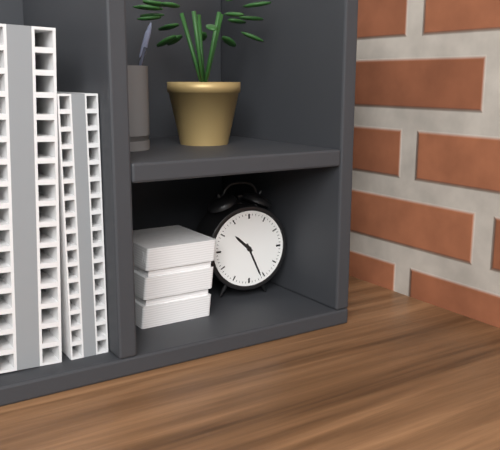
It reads 10h26
